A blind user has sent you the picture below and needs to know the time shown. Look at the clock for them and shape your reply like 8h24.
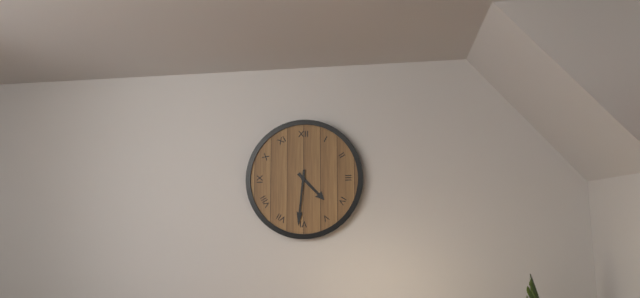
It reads 4h31
